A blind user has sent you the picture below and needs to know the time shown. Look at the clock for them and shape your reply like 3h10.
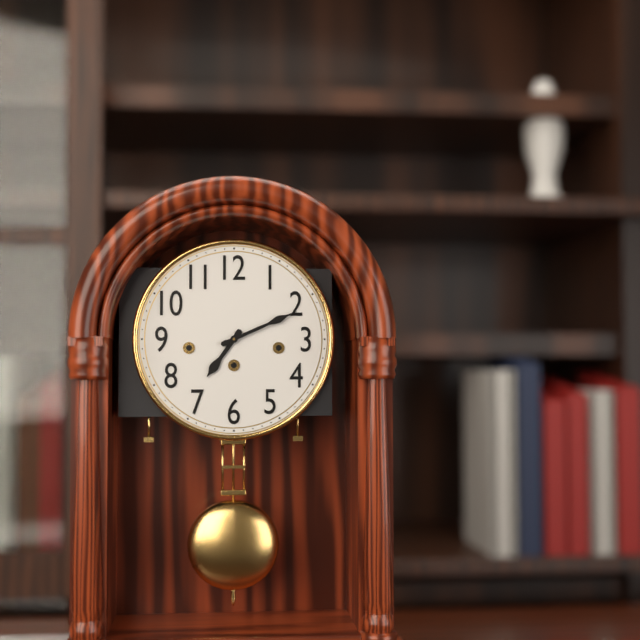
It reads 7h11
